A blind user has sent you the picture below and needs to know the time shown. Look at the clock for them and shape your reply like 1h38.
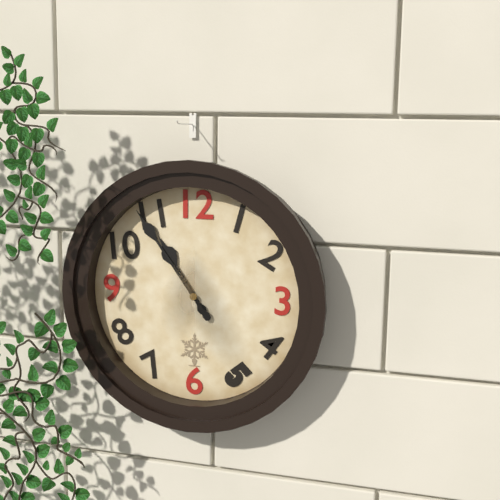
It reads 10h54
